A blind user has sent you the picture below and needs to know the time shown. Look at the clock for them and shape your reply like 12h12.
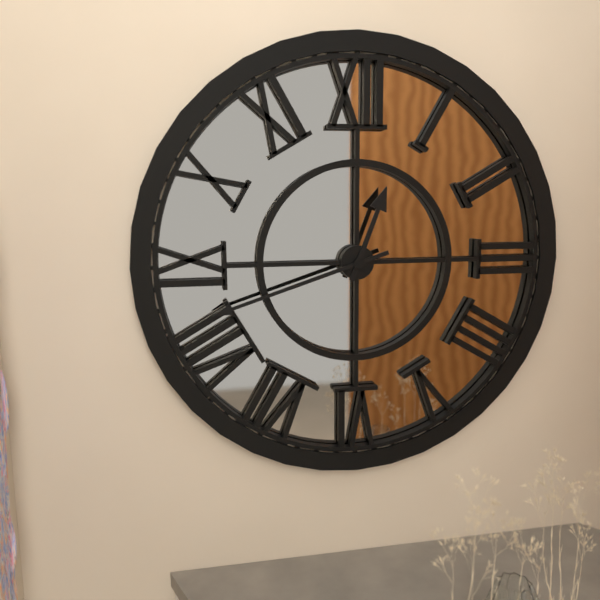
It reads 12h42
